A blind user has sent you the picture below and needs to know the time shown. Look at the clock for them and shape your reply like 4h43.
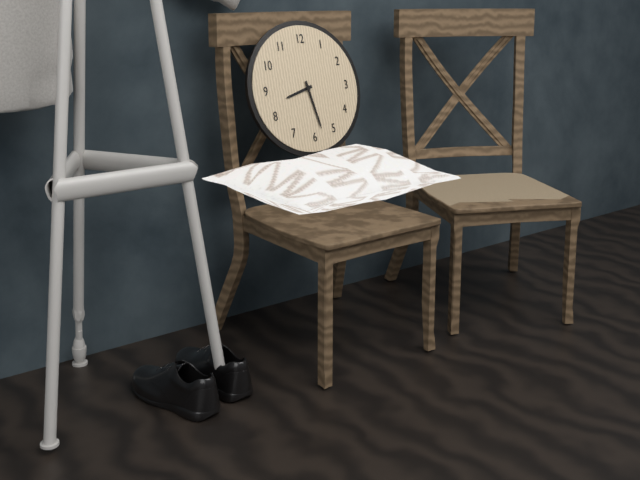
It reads 8h28
